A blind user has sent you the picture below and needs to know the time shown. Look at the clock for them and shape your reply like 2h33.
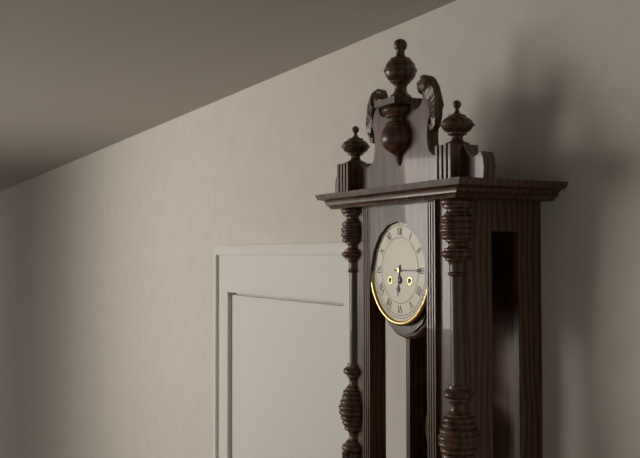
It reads 6h15
